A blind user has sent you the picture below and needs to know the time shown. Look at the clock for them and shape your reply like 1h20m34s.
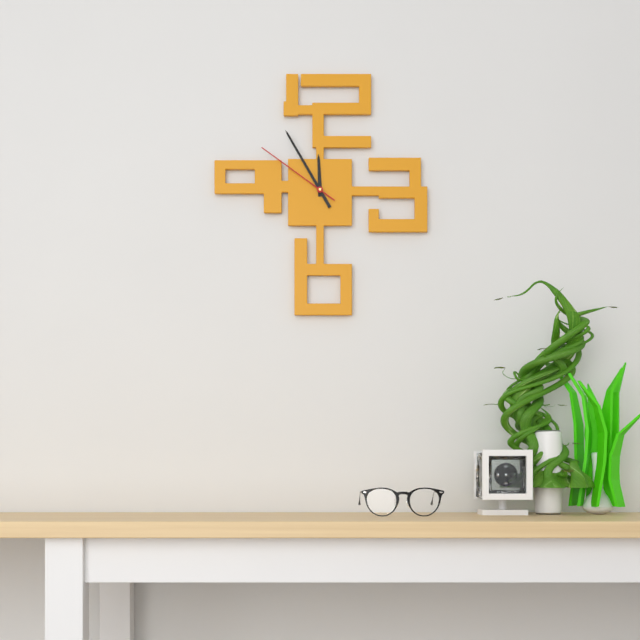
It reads 11h55m51s
